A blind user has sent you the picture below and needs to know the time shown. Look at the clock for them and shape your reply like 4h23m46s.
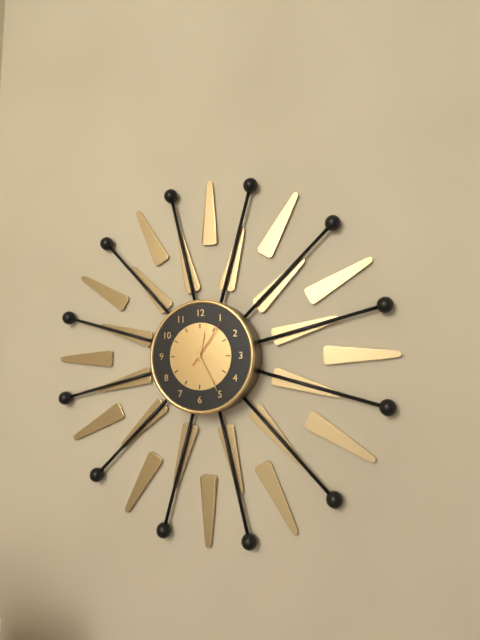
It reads 12h25m06s
